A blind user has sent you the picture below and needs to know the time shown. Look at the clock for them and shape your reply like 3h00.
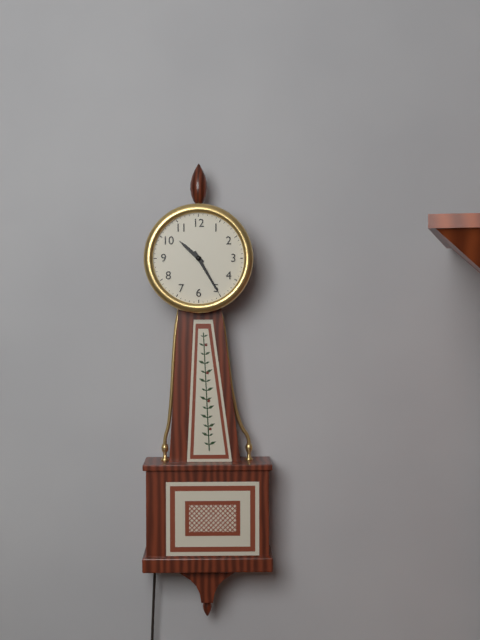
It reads 10h25
